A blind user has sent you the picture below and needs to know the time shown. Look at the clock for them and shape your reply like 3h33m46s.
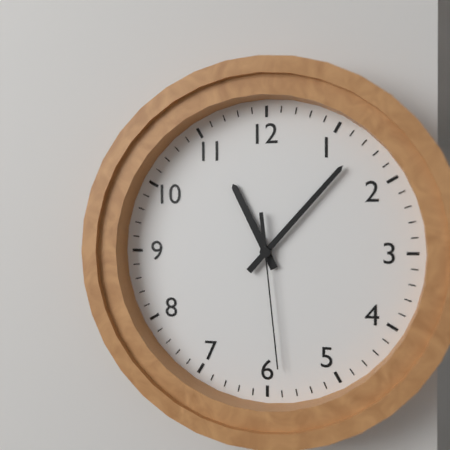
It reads 11h07m29s
